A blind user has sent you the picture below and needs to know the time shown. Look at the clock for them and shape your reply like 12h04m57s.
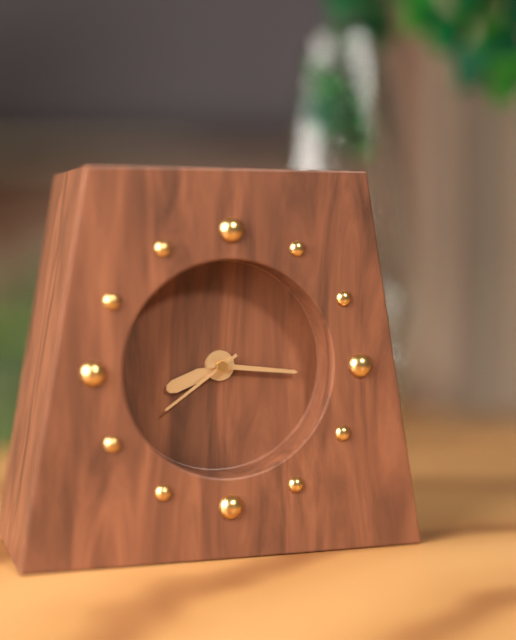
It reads 8h16m39s
